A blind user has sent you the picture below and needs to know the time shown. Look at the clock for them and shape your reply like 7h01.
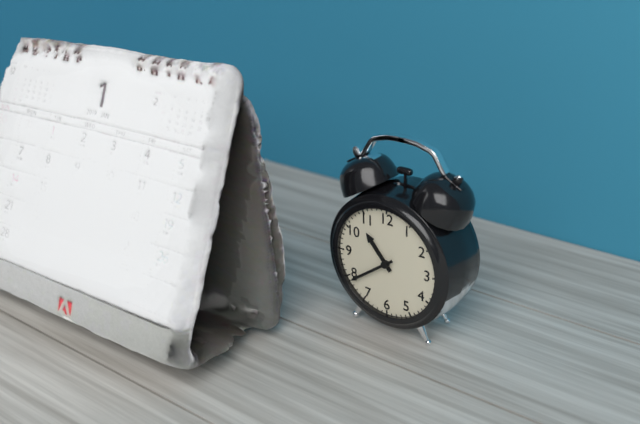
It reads 10h39
